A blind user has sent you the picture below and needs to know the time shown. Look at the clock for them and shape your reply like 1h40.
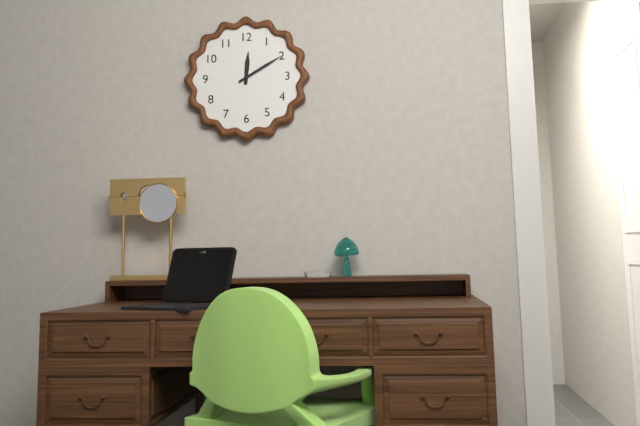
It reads 12h10
